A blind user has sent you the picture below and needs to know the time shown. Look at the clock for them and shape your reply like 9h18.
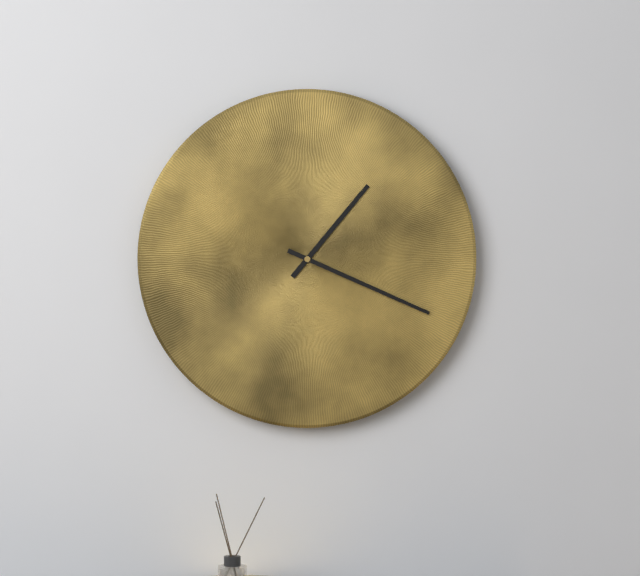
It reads 1h19
